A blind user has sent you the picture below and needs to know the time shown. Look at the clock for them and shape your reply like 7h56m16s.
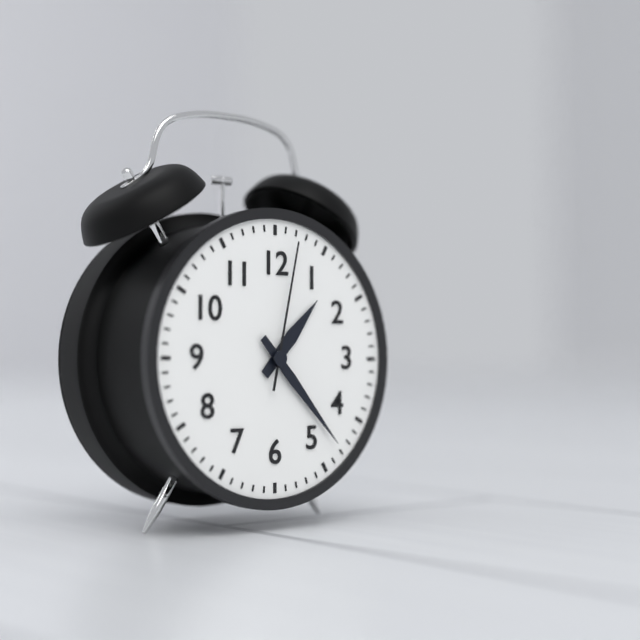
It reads 1h23m02s
